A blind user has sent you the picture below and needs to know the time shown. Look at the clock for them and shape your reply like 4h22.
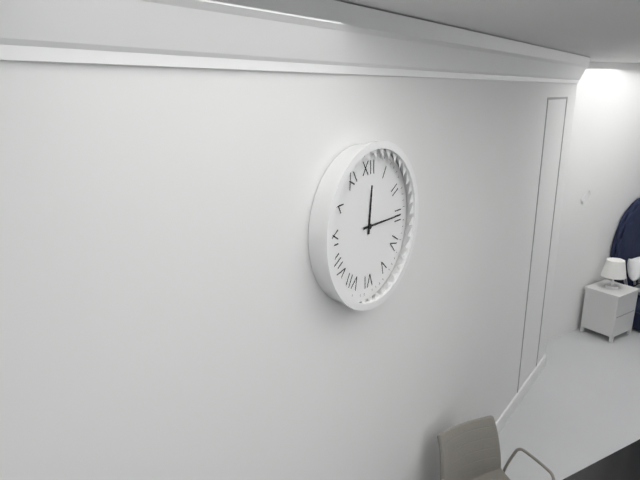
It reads 12h15
